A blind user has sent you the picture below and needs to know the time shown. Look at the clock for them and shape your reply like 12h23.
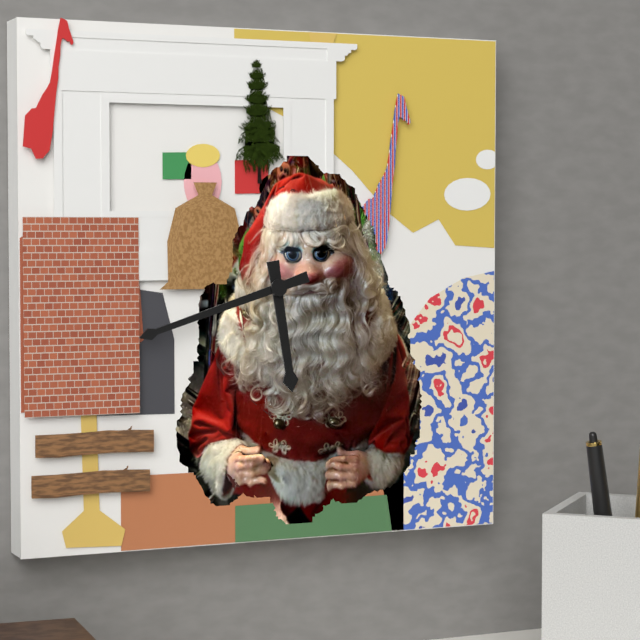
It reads 5h42
